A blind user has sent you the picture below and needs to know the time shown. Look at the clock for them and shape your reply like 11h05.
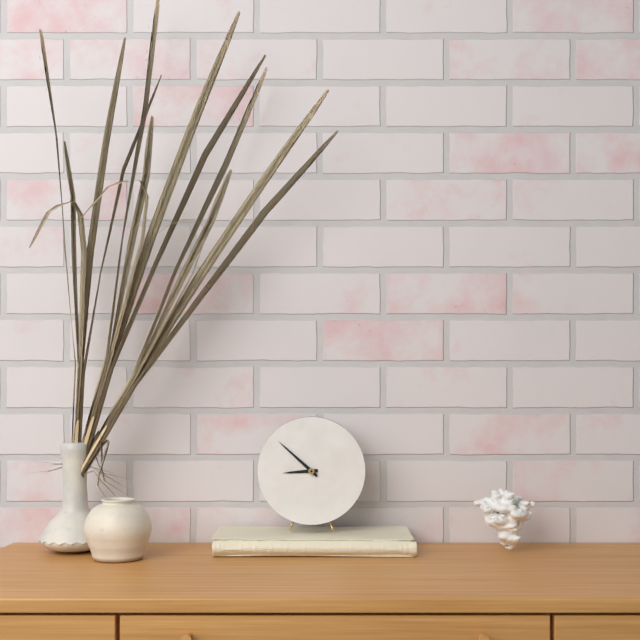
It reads 8h52
